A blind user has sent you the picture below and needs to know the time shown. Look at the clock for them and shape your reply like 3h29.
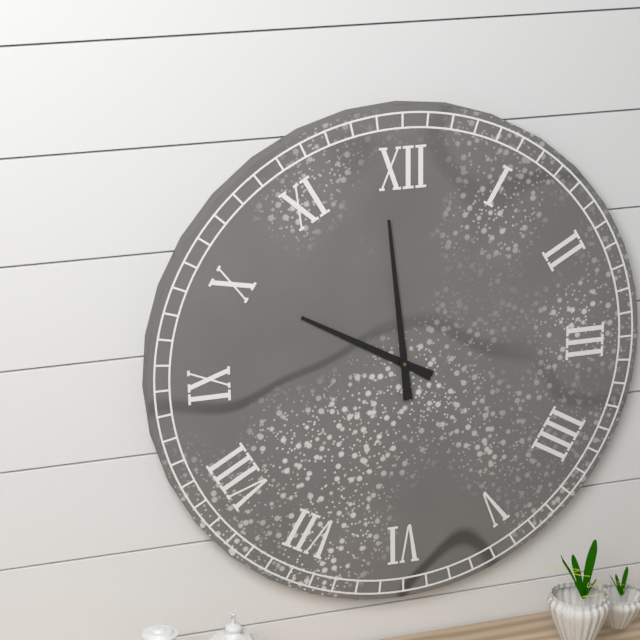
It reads 9h59
